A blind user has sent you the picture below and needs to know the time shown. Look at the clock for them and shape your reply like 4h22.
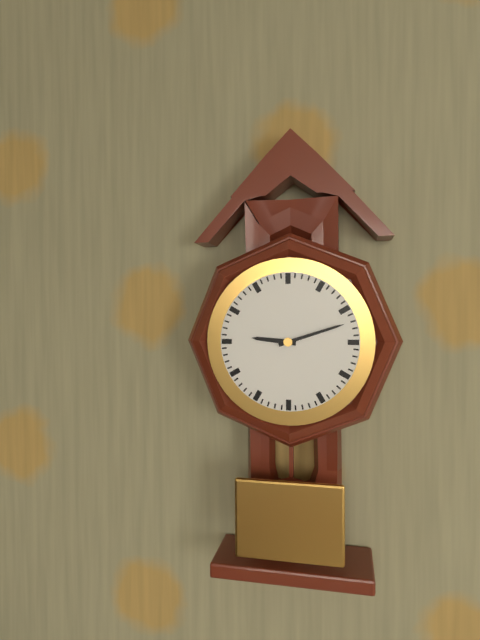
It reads 9h12
